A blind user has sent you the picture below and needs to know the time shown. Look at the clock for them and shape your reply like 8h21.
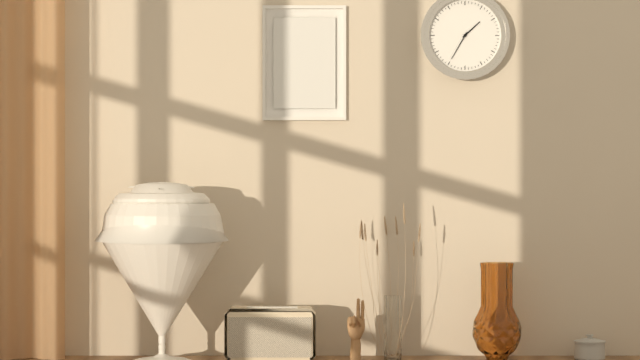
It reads 1h35
